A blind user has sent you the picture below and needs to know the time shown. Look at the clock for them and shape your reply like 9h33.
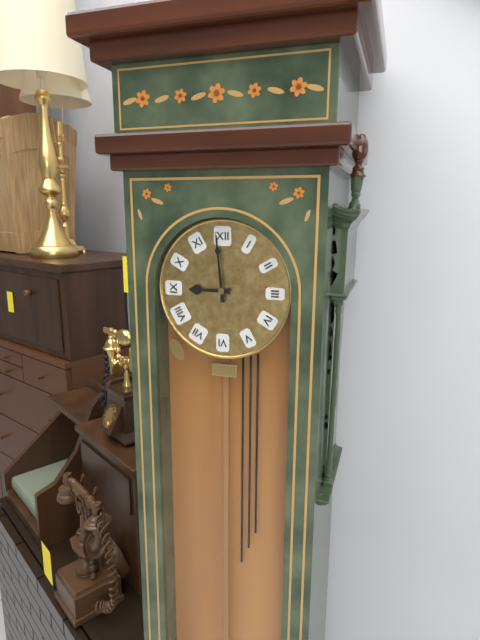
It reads 8h59
